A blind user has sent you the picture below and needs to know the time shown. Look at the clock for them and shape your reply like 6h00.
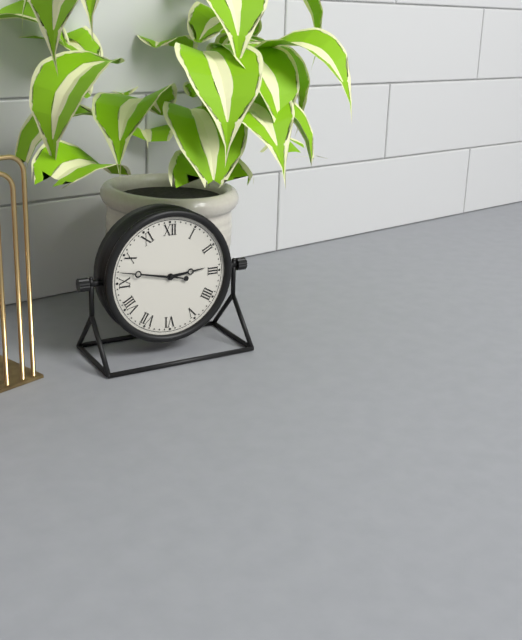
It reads 2h47
